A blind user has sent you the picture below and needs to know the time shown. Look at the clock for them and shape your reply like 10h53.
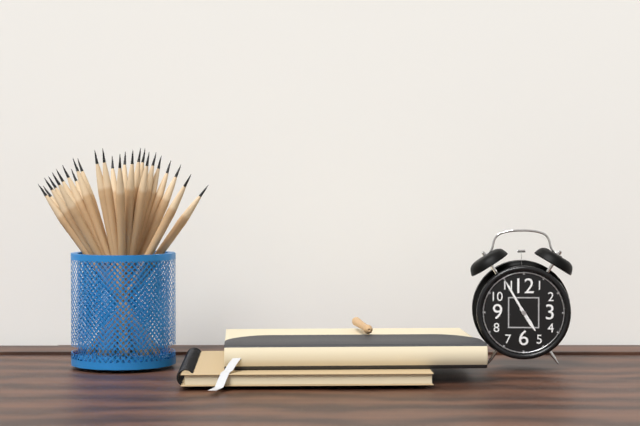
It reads 4h55
